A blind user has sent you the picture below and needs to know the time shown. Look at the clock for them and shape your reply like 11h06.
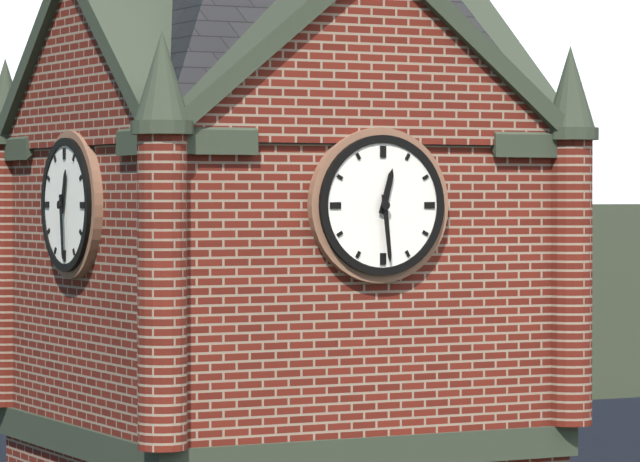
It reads 12h29
